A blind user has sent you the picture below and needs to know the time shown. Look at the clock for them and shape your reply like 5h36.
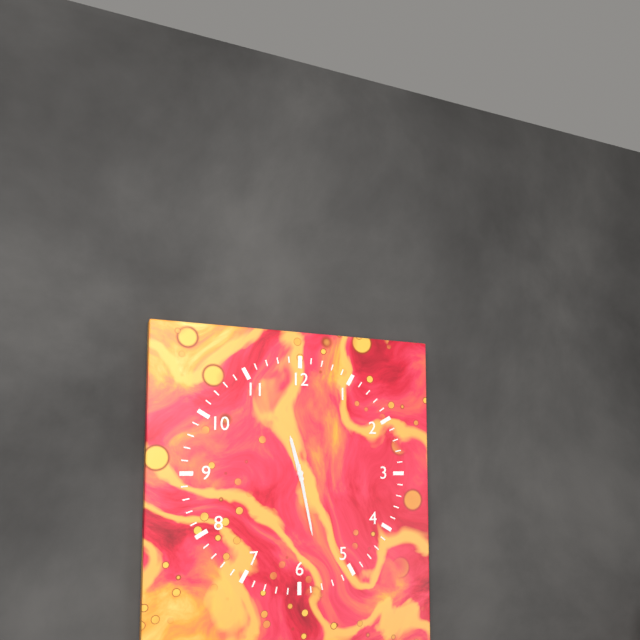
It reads 11h28
